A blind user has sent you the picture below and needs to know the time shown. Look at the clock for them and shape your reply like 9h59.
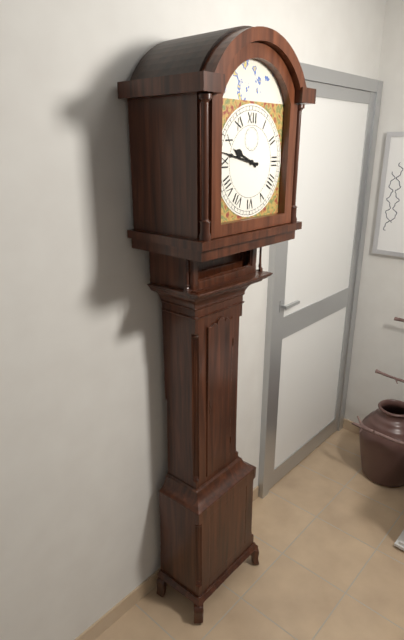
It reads 9h47
